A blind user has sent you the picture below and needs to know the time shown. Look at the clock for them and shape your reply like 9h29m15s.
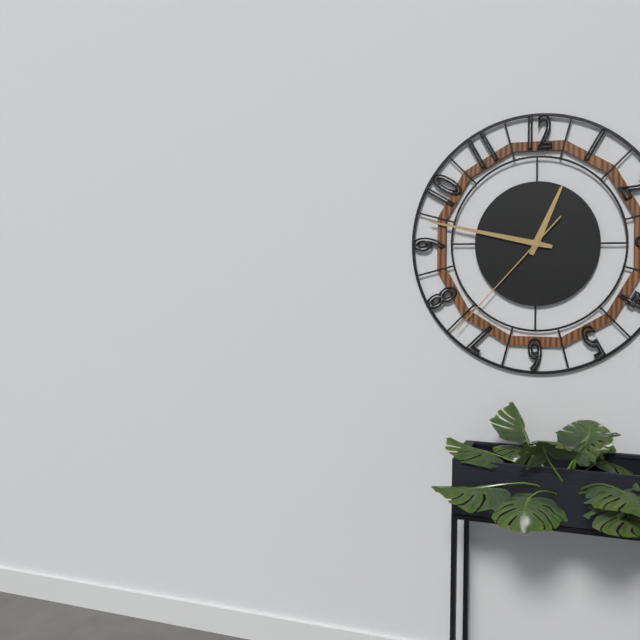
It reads 12h47m37s
